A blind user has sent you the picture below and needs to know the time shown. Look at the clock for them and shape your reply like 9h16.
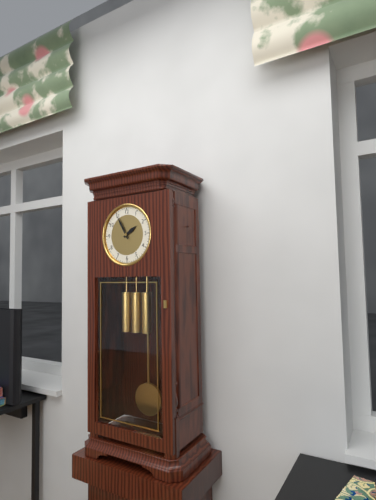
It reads 1h55
